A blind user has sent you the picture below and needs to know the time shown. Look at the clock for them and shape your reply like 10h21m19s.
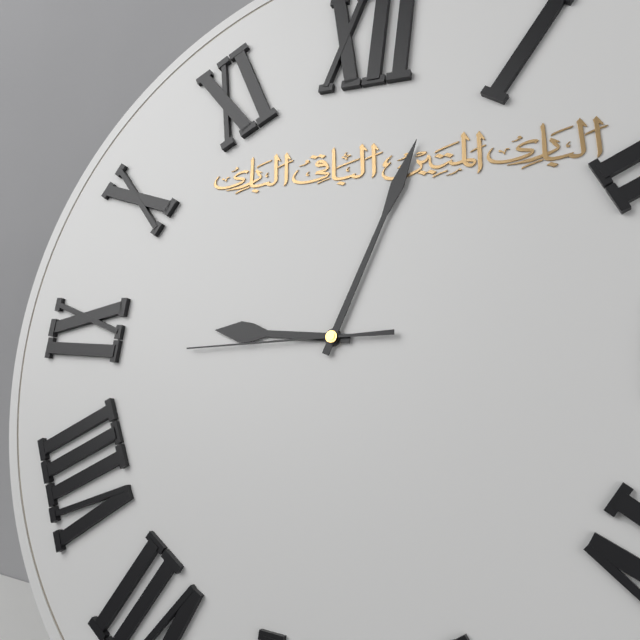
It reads 9h03m44s
